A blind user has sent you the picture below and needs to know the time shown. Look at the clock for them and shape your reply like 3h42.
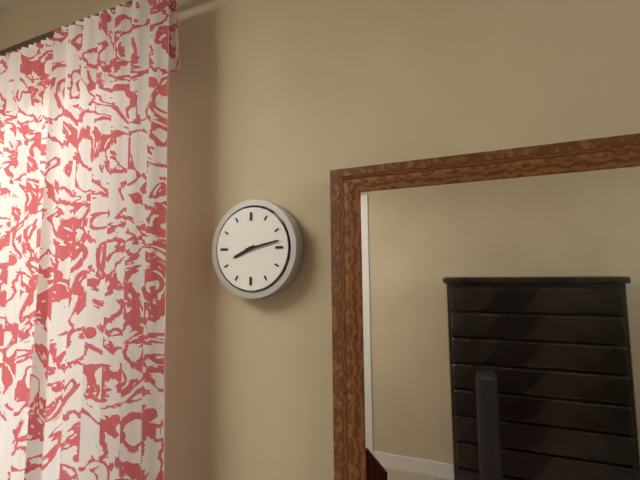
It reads 8h13
